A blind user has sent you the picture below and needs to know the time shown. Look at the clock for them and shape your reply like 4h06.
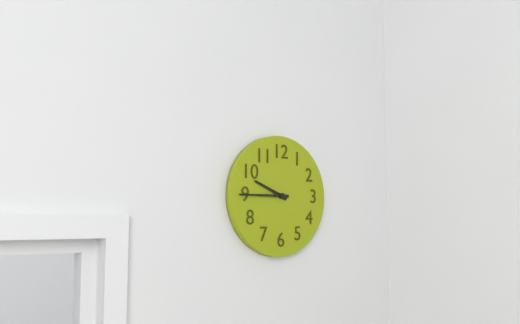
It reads 9h45
